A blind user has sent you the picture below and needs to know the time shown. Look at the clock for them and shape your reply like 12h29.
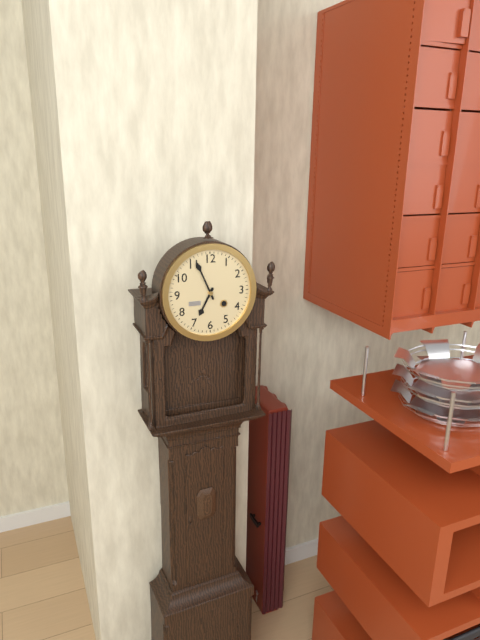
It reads 6h56
